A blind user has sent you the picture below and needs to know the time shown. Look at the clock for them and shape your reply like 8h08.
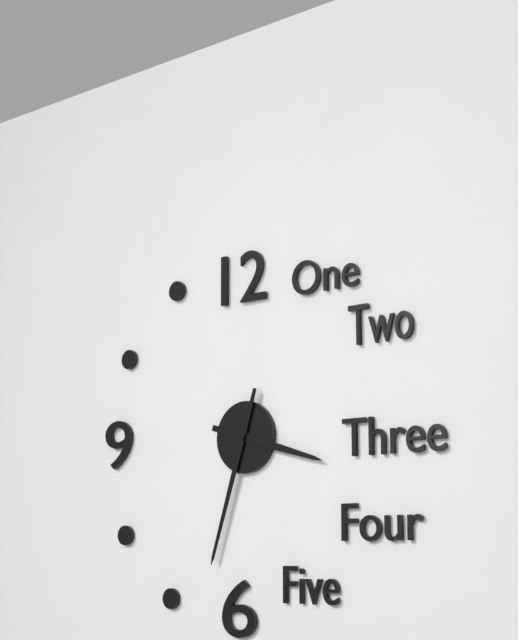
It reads 3h33
